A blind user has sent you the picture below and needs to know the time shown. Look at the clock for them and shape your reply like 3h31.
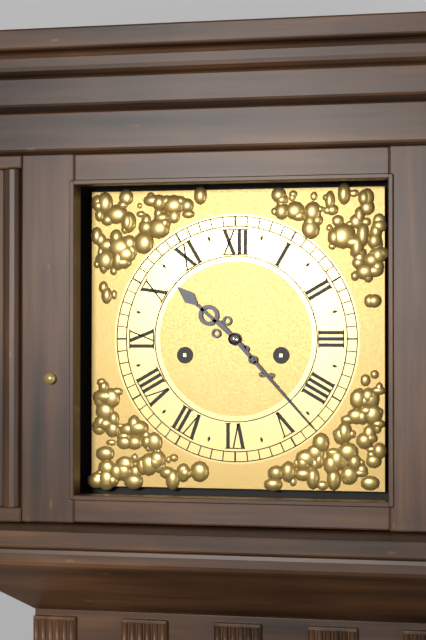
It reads 10h23
